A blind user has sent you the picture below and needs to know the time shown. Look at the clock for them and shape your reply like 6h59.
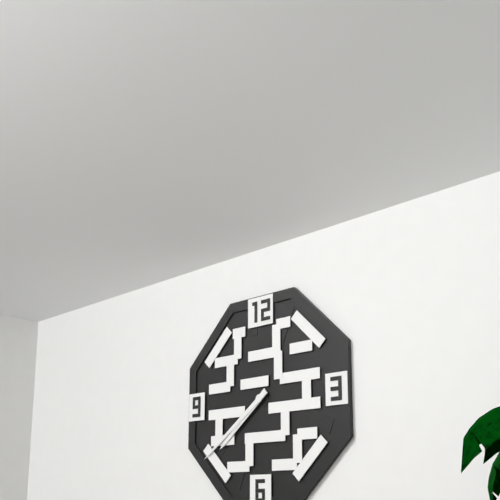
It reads 7h39
